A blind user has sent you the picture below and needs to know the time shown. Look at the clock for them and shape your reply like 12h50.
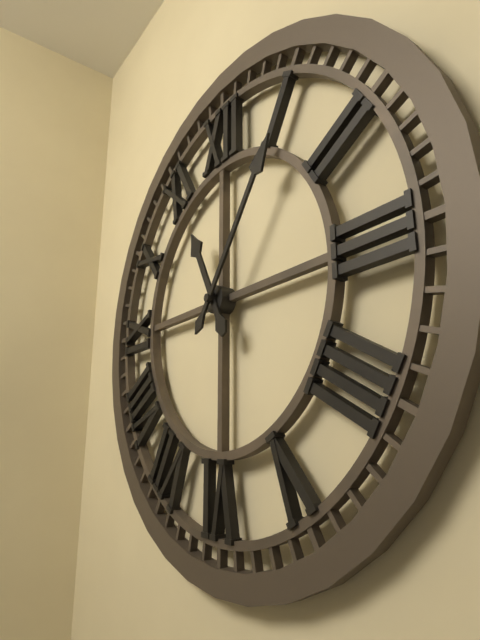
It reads 11h06
